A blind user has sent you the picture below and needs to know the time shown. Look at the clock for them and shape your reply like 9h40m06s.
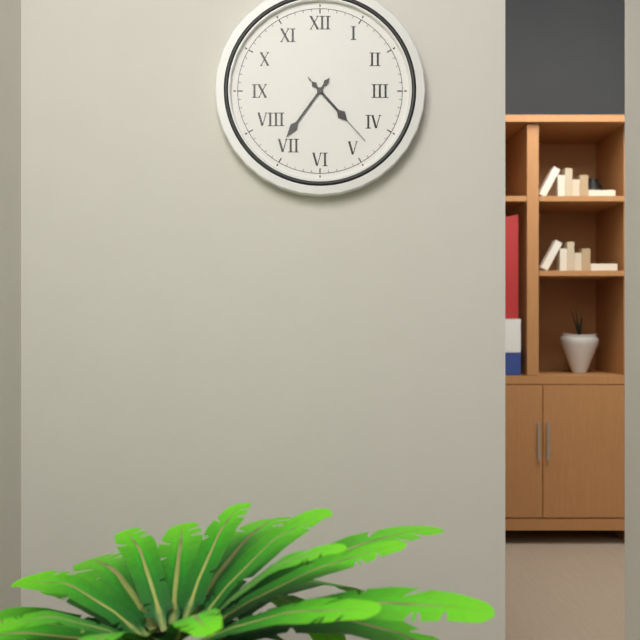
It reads 4h36m23s
